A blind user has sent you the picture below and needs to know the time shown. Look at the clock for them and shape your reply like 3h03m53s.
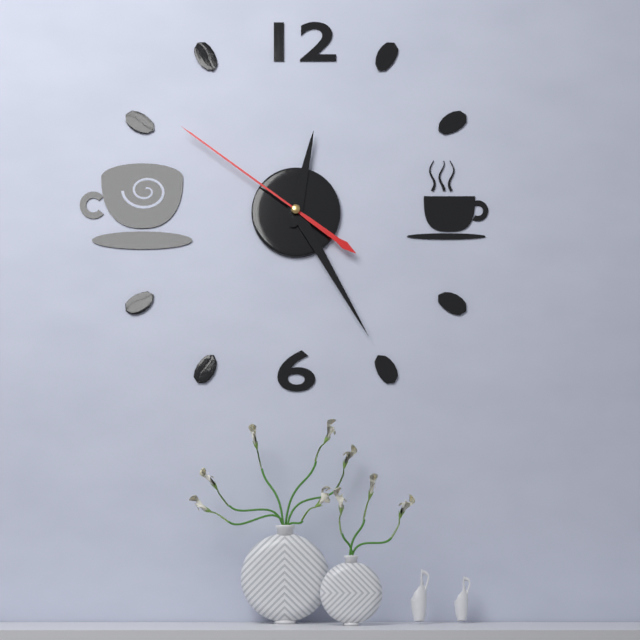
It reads 12h25m51s
